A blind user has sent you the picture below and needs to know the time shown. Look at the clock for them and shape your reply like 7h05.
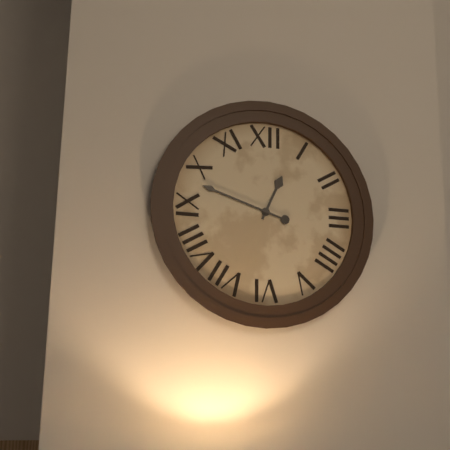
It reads 12h48
